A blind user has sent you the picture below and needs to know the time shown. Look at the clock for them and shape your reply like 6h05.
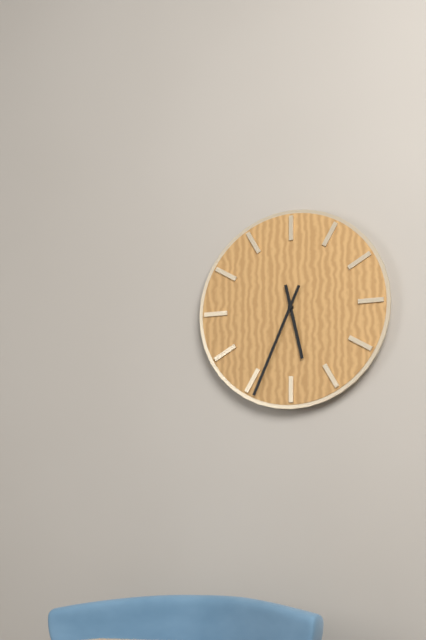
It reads 5h34
